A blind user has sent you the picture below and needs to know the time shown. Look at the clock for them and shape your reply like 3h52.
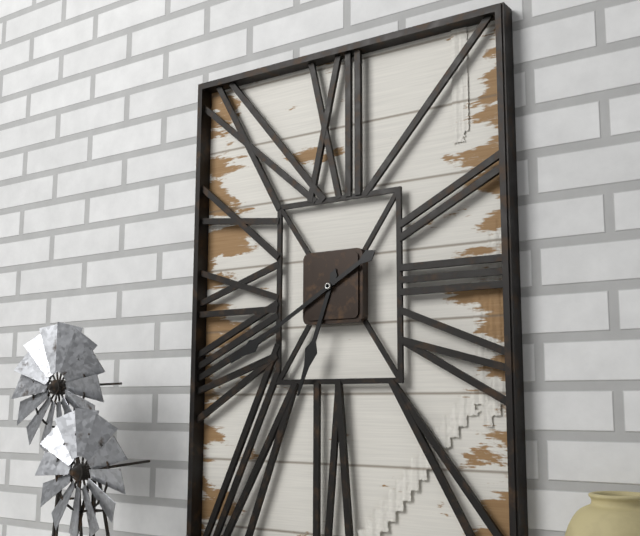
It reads 6h40
